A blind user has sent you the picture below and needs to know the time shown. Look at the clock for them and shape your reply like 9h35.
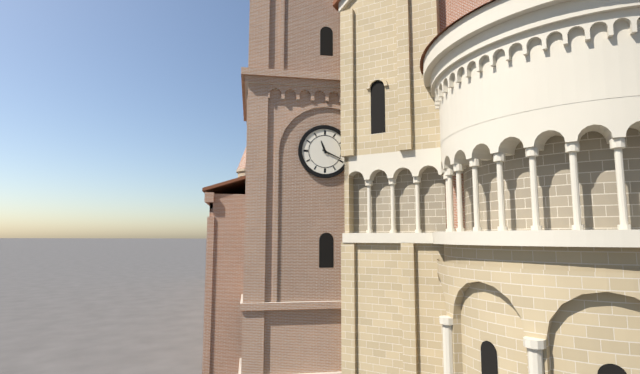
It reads 11h19
